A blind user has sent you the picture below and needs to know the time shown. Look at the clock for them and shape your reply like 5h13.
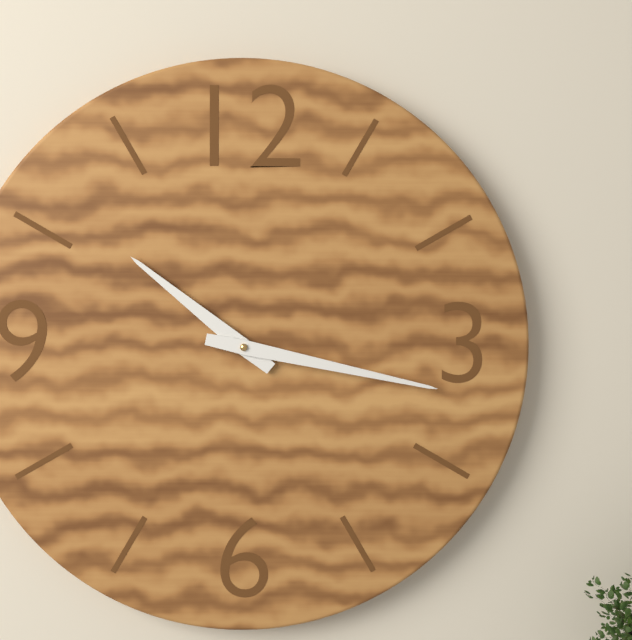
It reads 10h17
